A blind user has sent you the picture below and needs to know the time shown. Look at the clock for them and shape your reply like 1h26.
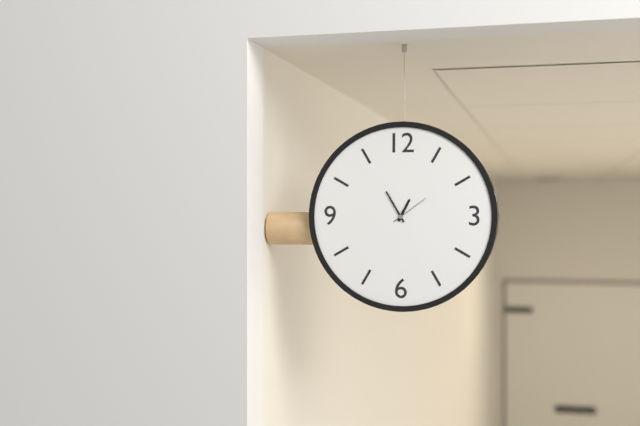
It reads 12h55
